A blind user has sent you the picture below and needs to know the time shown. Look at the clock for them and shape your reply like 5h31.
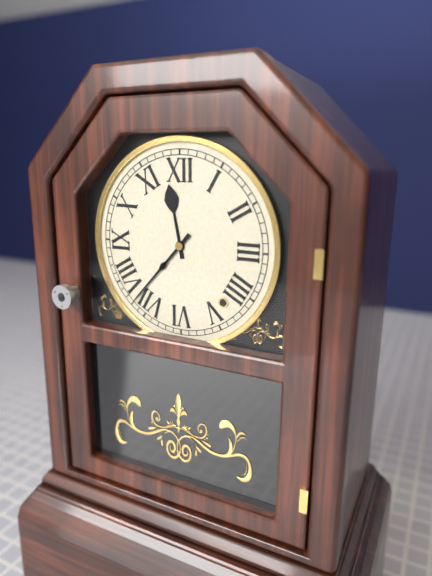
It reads 11h37
